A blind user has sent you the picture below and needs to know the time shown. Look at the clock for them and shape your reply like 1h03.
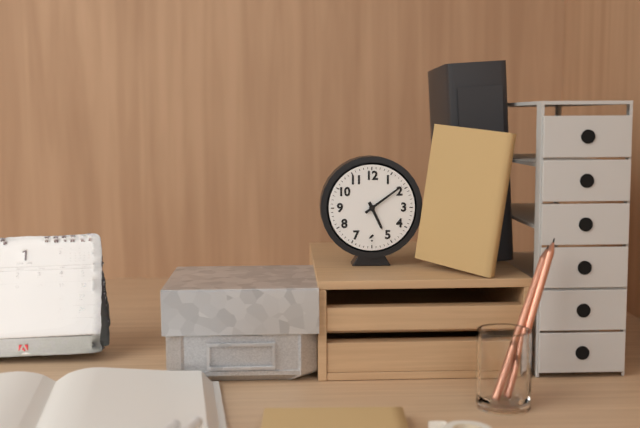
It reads 5h09
